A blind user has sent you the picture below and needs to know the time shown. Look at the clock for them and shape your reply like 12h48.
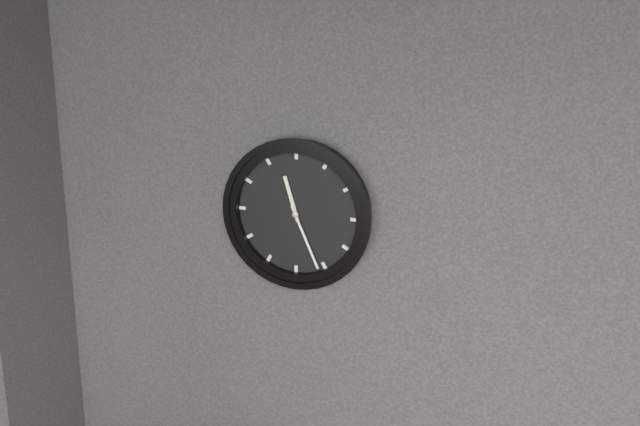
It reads 11h26
